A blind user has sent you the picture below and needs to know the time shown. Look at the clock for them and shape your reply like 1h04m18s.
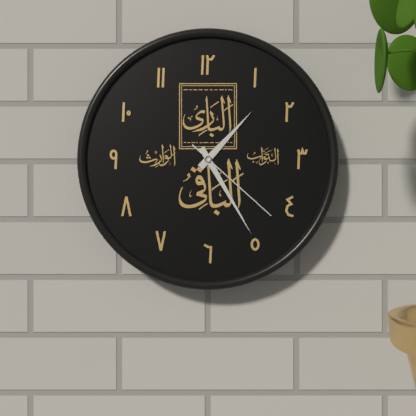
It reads 1h25m22s
